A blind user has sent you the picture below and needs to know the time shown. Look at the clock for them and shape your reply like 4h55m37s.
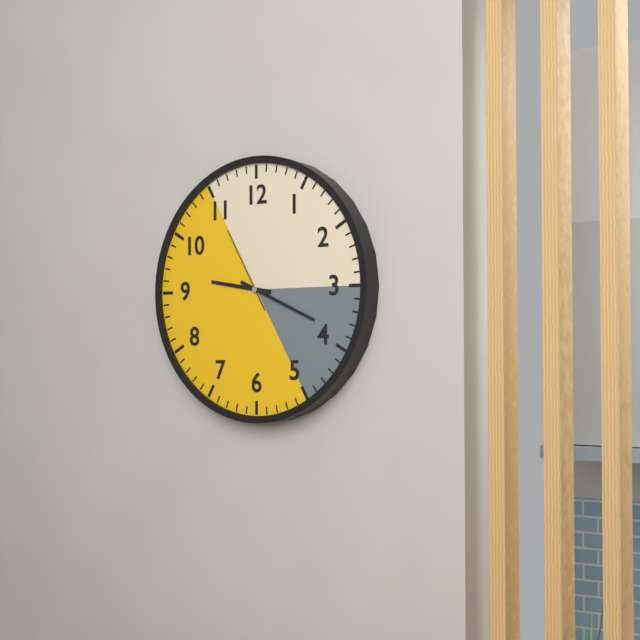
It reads 9h19m55s
